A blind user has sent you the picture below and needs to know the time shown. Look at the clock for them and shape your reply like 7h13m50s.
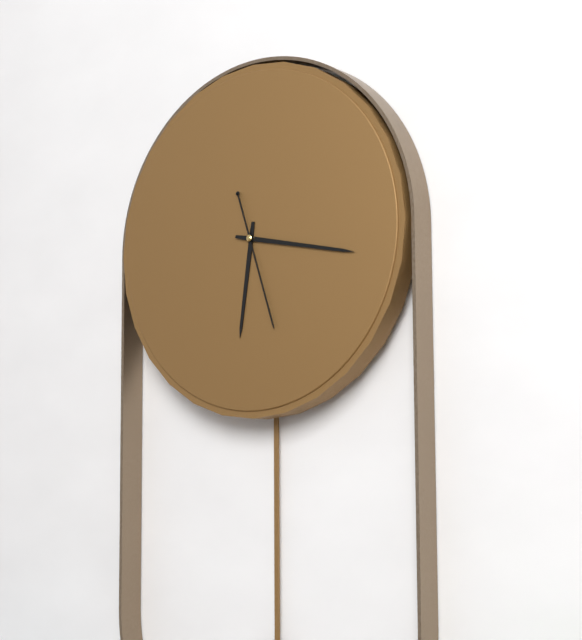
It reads 6h17m27s
